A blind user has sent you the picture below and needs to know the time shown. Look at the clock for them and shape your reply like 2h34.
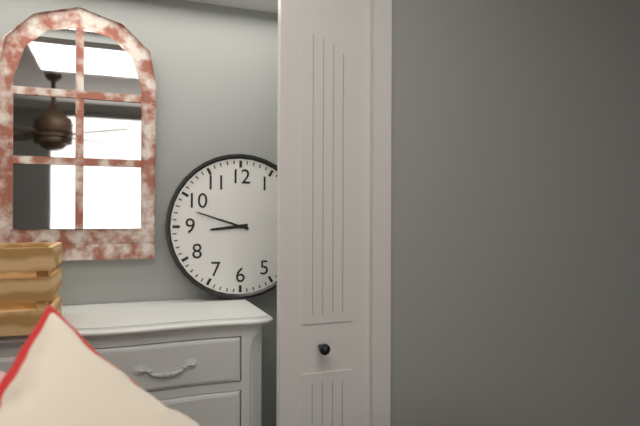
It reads 8h48
